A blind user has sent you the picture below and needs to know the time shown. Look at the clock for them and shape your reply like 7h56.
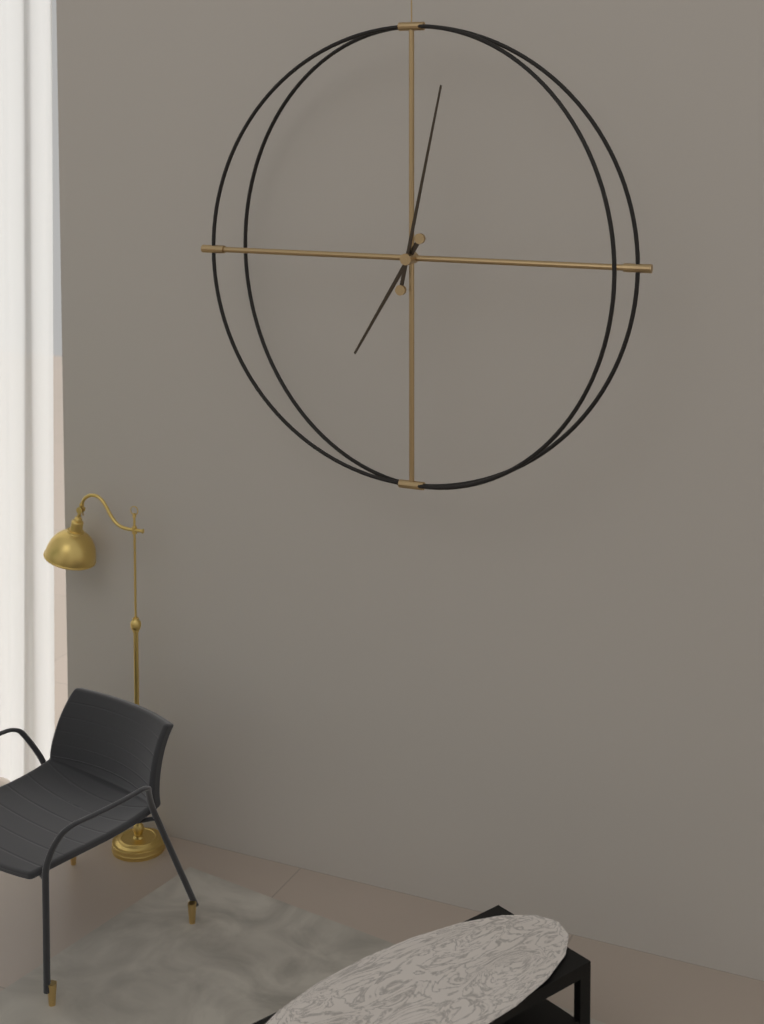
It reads 7h02
